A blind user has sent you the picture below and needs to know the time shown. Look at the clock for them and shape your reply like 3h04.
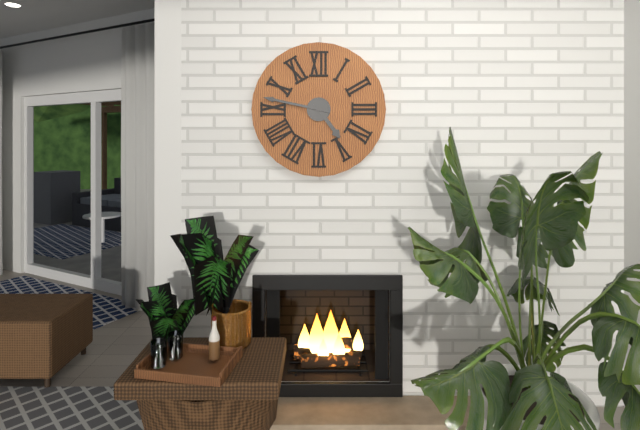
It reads 4h47
